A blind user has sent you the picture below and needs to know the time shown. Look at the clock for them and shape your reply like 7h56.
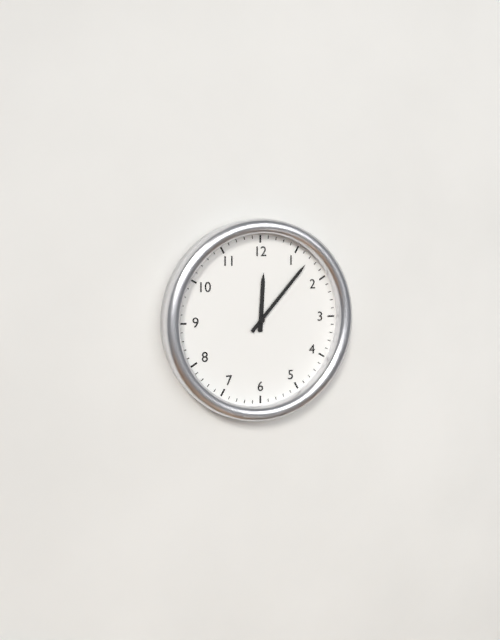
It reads 12h07
